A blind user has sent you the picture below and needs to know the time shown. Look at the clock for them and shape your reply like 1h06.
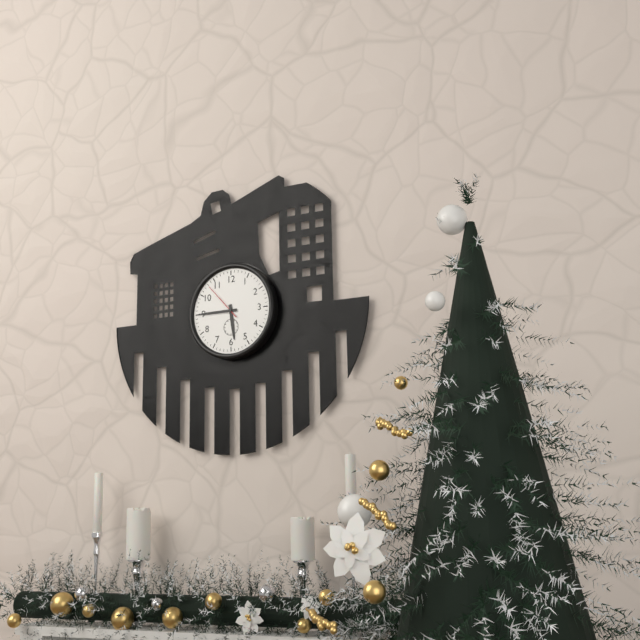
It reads 5h45
